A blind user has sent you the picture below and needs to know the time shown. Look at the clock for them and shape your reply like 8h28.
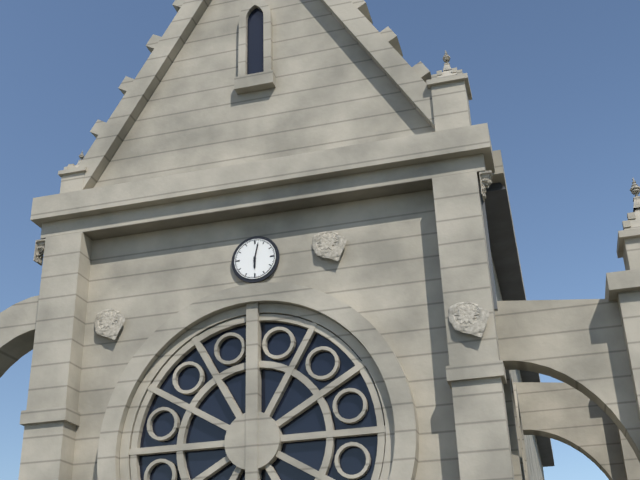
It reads 6h02
